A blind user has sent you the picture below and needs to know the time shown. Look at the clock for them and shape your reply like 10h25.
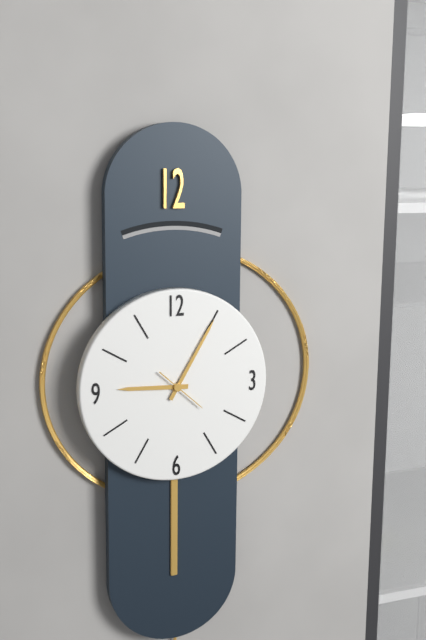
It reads 9h05
